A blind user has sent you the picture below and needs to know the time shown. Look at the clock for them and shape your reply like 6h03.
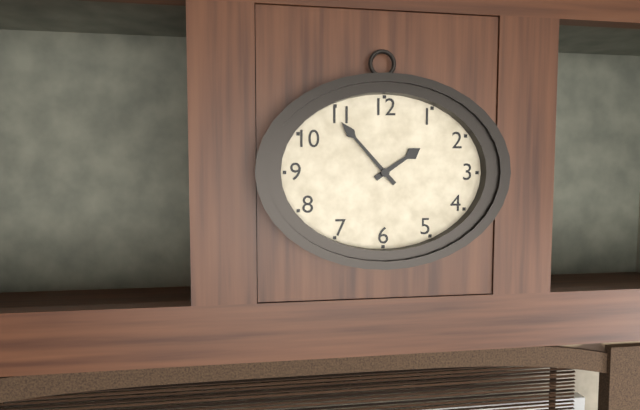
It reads 1h53
